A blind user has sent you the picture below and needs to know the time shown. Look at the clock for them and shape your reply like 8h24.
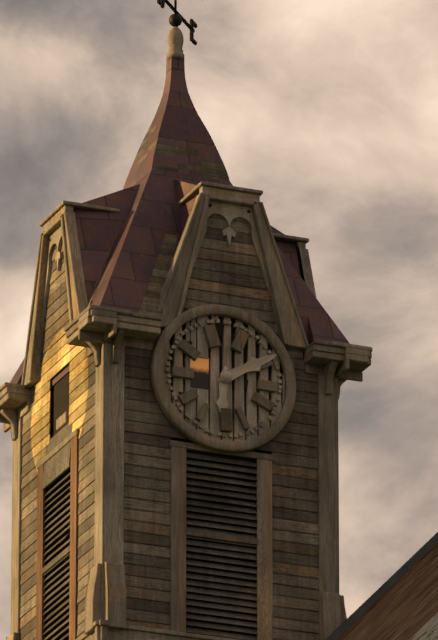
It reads 6h10
